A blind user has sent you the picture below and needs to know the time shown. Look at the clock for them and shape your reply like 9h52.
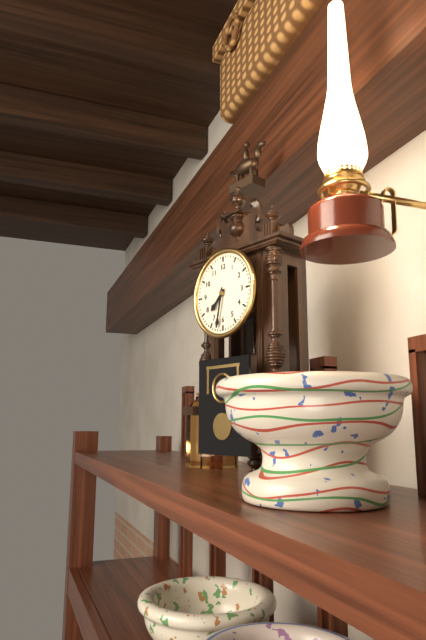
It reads 7h32
